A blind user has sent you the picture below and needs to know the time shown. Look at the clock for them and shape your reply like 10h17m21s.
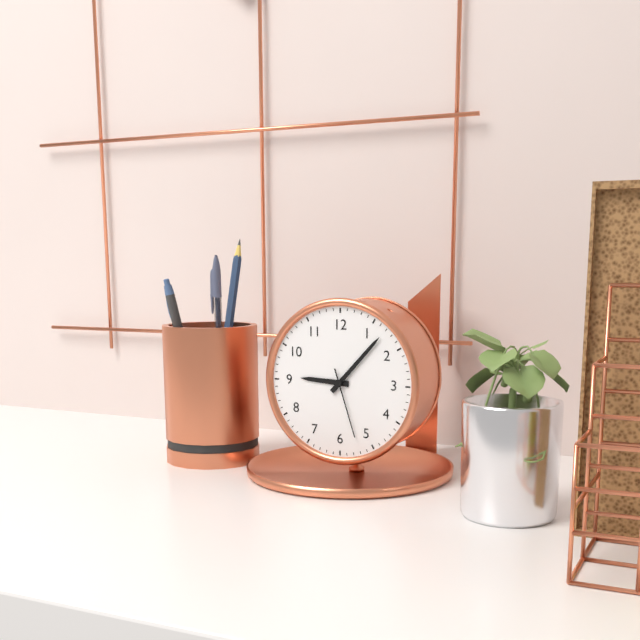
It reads 9h07m27s
